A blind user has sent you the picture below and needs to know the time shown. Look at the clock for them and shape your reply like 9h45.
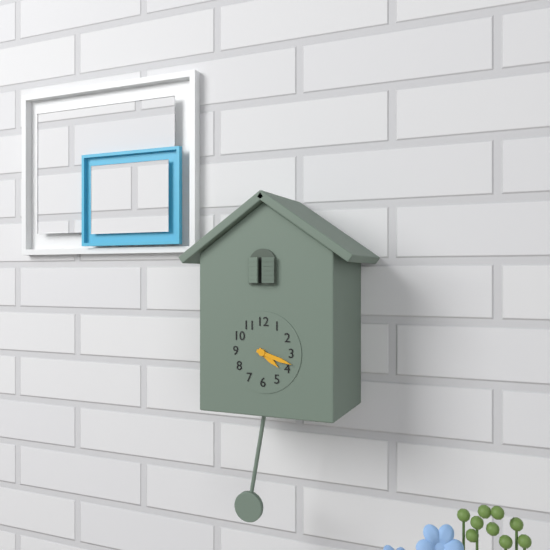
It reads 4h18
